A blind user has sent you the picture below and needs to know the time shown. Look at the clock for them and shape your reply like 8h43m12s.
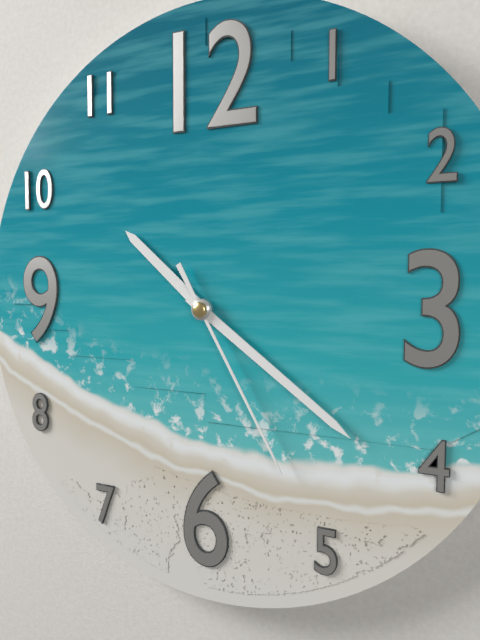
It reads 10h21m25s
